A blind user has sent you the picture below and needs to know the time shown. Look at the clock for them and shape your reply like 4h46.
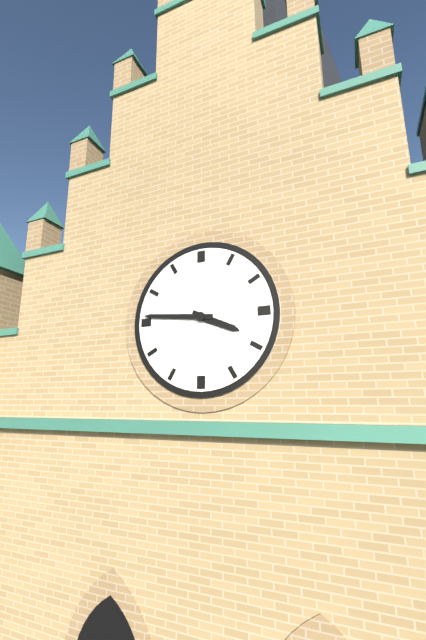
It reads 3h46
